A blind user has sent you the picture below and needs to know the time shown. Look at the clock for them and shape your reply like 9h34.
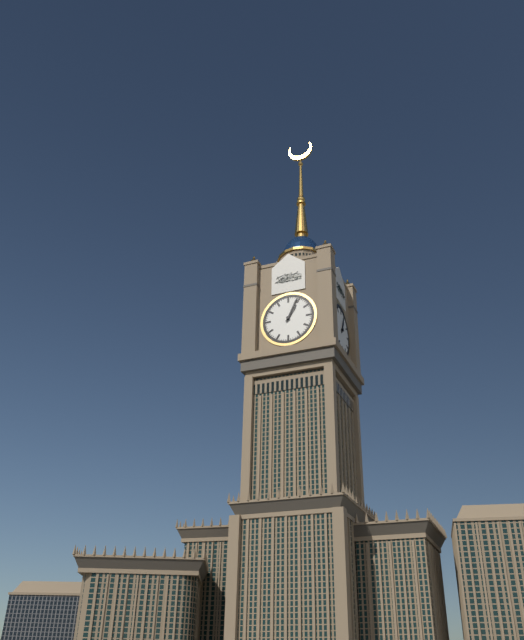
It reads 1h04
